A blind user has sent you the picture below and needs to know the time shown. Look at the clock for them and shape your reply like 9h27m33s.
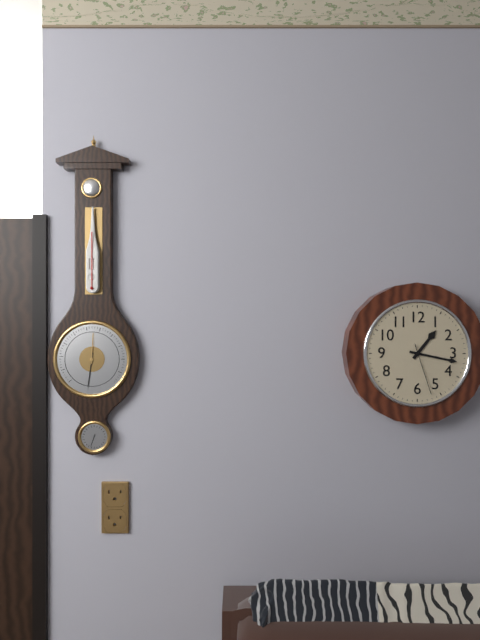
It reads 1h17m27s
